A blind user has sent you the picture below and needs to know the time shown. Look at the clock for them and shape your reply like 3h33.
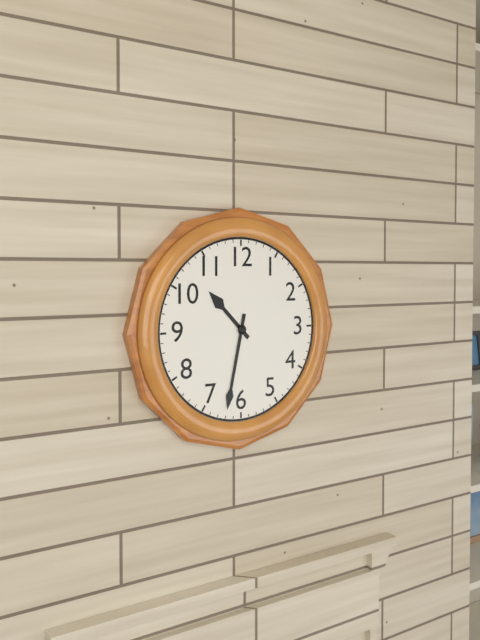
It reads 10h32
